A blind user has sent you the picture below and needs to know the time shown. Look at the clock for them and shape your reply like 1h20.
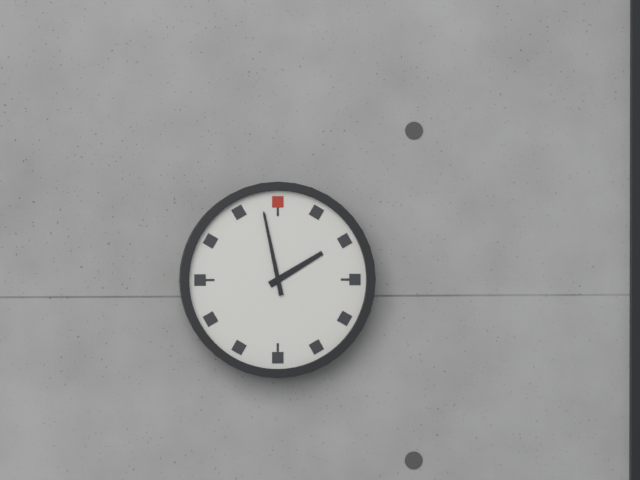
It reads 1h58
